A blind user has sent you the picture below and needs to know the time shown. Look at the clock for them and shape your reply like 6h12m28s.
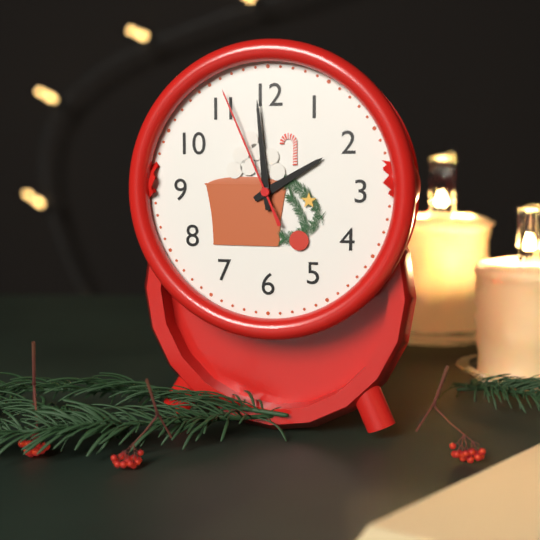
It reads 1h59m56s
